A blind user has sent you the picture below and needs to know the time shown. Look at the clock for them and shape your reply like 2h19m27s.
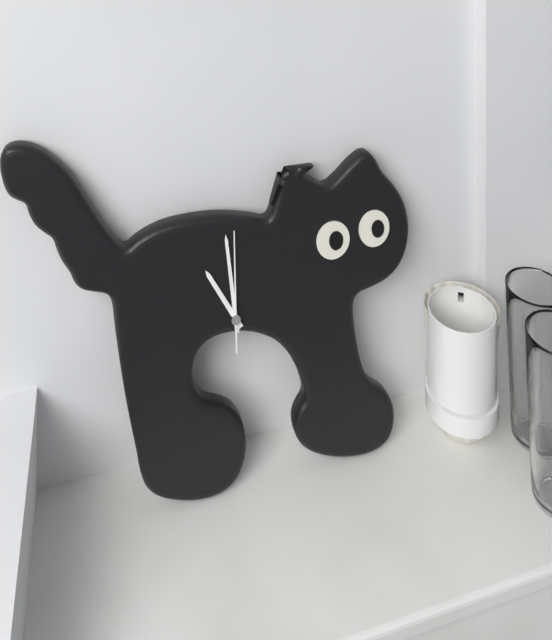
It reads 10h59m00s
